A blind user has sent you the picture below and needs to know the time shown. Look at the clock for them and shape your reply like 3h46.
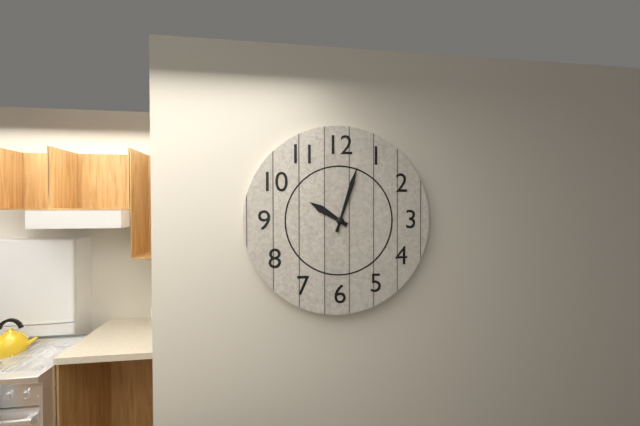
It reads 10h03
